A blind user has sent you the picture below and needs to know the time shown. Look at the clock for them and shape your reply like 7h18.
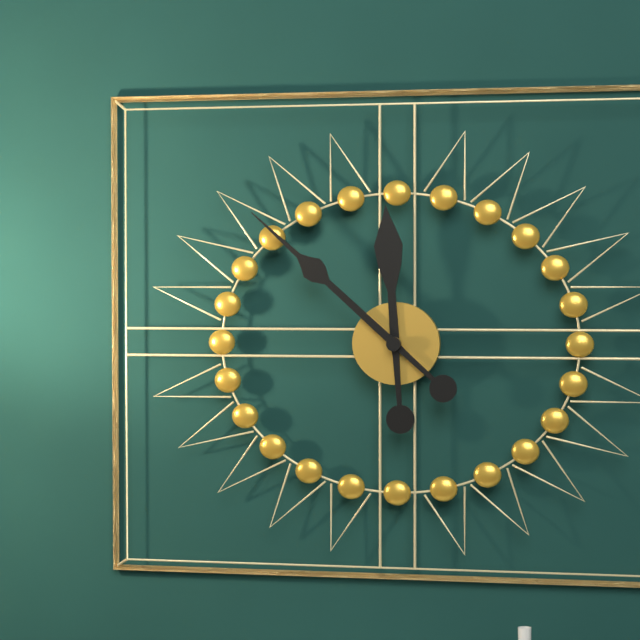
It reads 11h52
